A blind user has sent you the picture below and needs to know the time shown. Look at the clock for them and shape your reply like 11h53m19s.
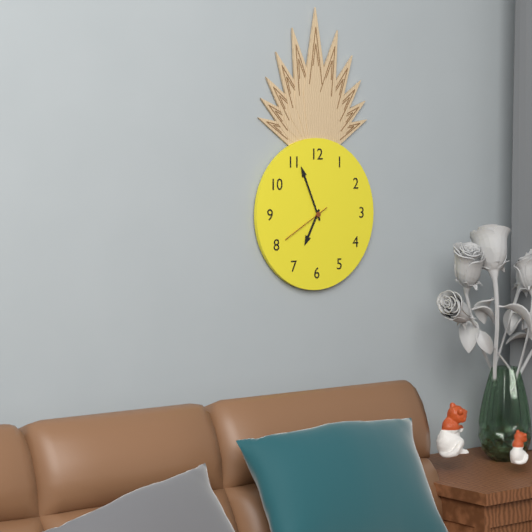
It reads 6h56m40s
